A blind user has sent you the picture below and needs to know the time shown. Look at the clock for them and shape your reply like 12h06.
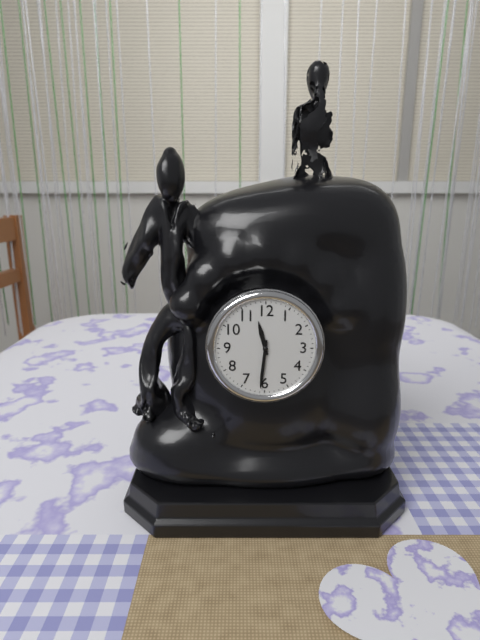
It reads 11h31
